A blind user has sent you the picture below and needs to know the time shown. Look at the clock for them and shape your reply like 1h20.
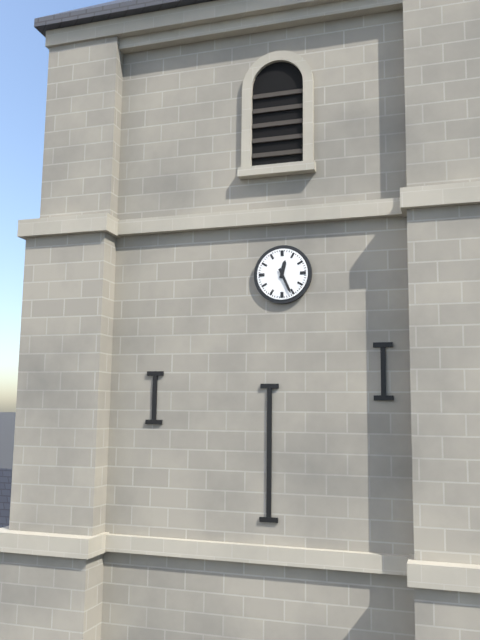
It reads 12h26
